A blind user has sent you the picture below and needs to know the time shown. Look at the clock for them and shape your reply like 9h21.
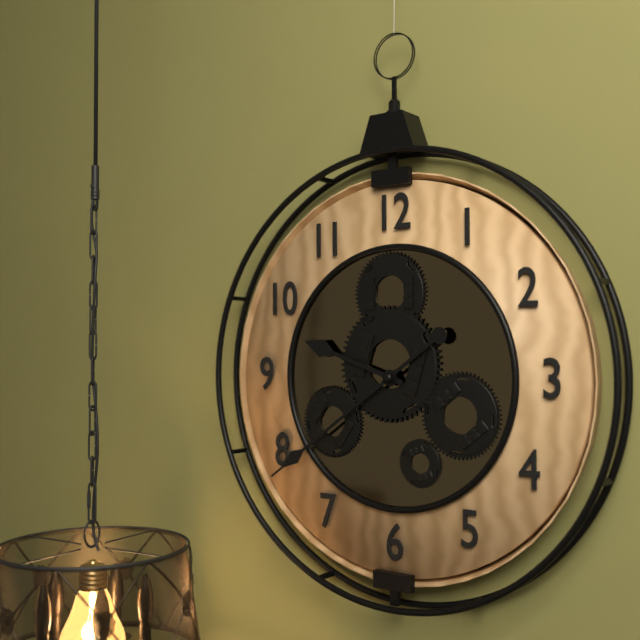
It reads 9h39
